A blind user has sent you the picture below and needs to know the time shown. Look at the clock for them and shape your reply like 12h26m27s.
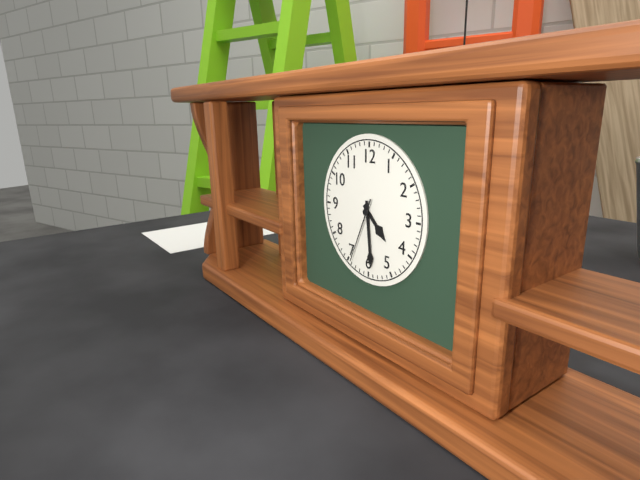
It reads 4h29m34s
